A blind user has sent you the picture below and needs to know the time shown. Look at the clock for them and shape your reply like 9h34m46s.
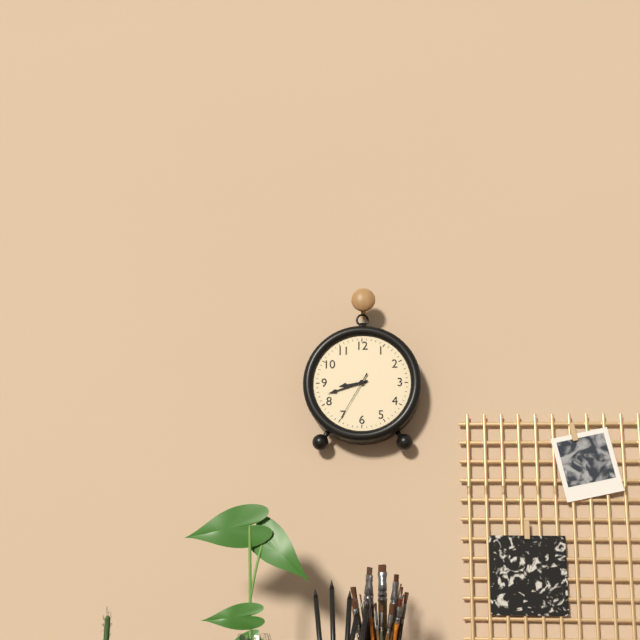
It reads 8h42m35s
